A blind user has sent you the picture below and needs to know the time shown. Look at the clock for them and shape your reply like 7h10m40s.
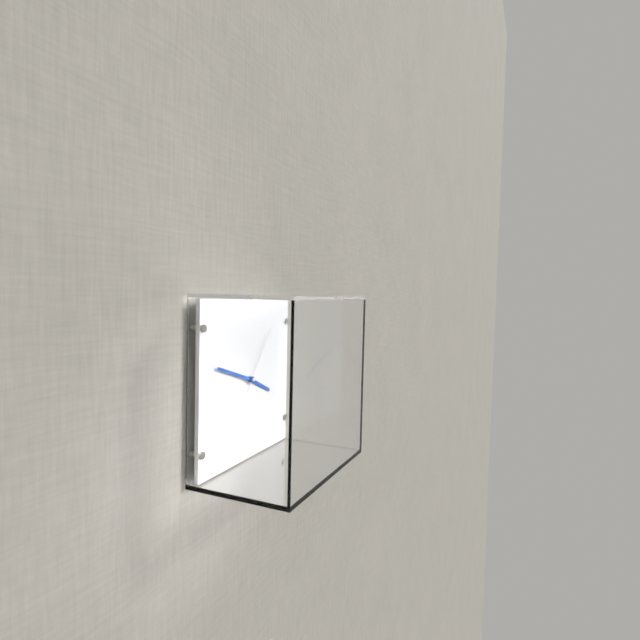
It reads 3h48m06s
